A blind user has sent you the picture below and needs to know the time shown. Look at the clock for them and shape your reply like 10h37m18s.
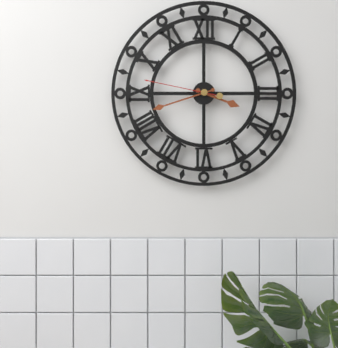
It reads 3h42m47s
